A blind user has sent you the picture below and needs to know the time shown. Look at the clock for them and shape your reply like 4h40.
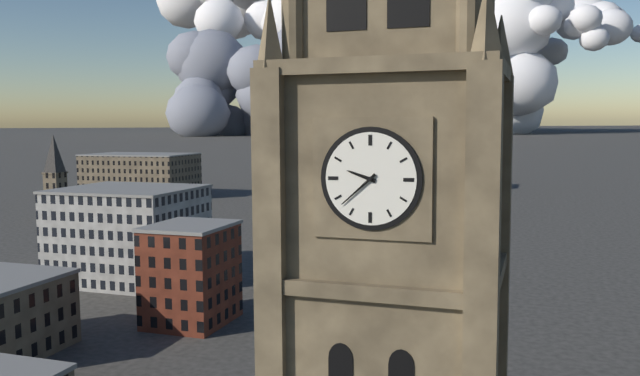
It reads 9h38
